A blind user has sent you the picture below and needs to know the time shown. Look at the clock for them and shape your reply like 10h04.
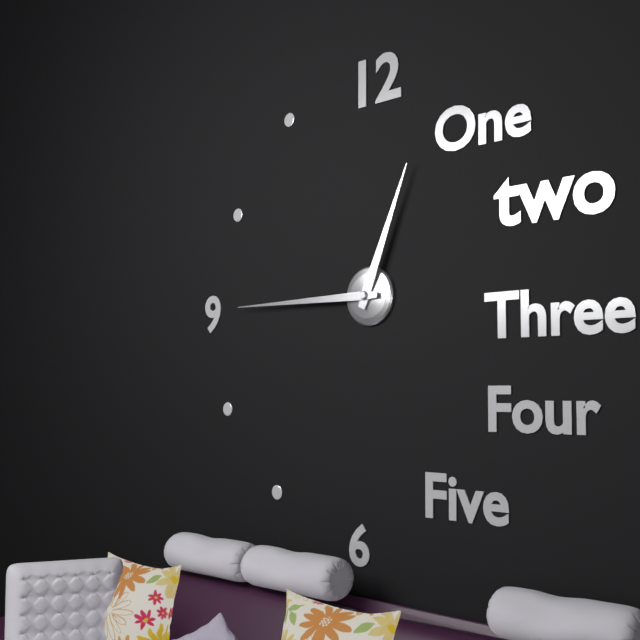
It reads 12h45
